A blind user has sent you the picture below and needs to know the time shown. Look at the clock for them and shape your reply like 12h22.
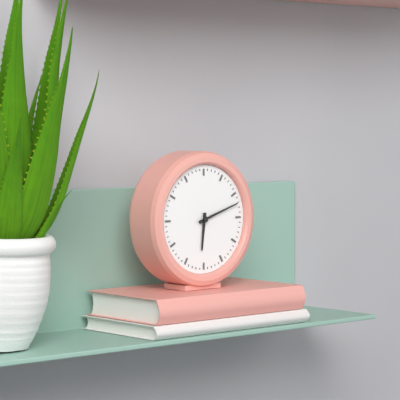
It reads 6h12
